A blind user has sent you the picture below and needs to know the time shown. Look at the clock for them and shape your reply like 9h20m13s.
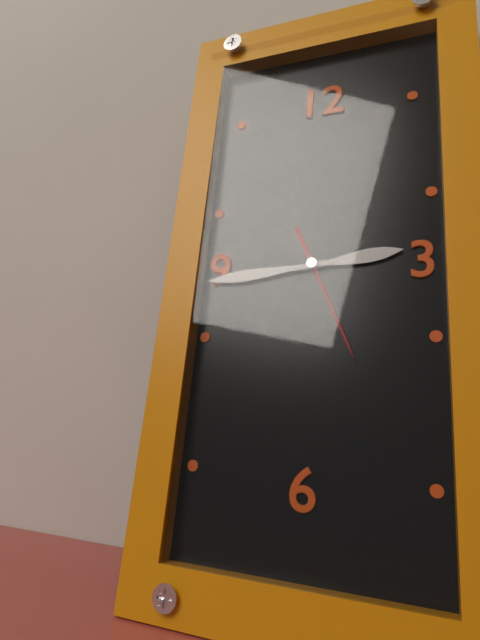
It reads 2h44m26s
